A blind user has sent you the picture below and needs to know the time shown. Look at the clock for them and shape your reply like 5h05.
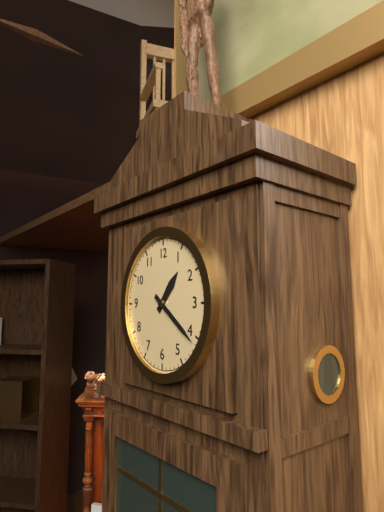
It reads 1h21
